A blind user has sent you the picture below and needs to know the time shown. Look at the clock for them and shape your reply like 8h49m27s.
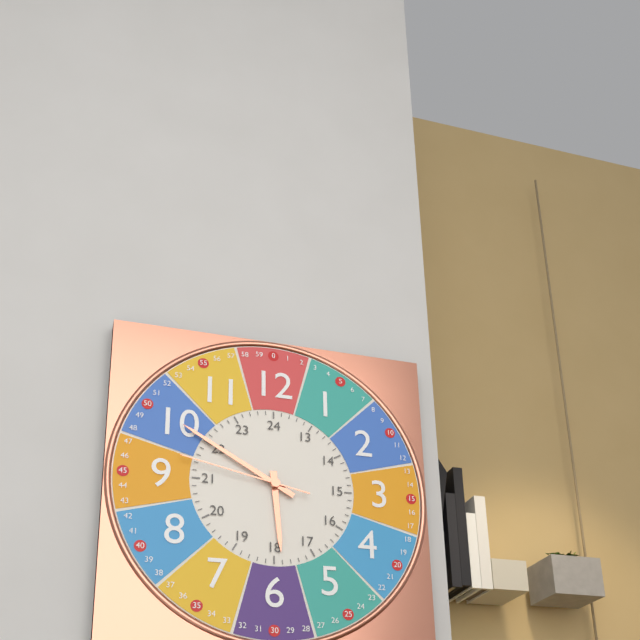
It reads 5h50m47s
